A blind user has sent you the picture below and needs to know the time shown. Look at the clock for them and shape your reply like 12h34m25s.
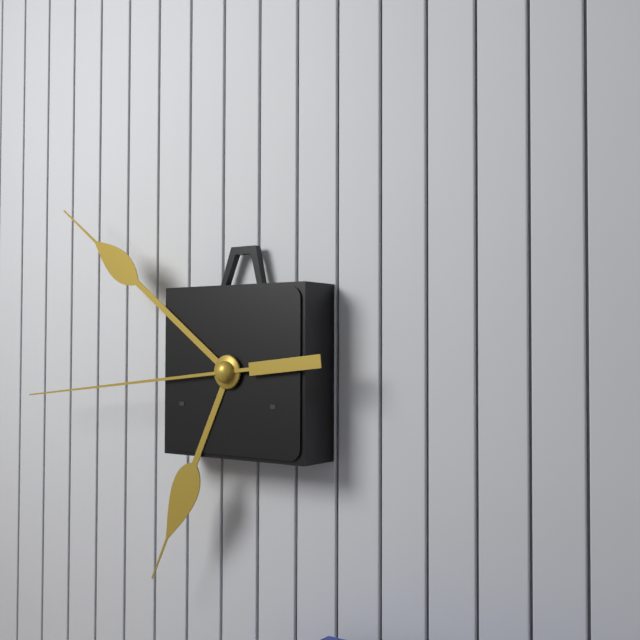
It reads 6h51m44s
